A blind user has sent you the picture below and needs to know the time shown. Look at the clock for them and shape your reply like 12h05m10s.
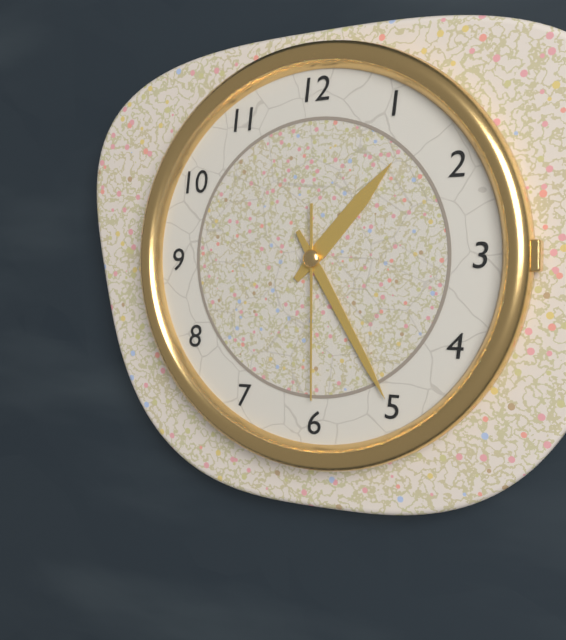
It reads 1h25m30s
